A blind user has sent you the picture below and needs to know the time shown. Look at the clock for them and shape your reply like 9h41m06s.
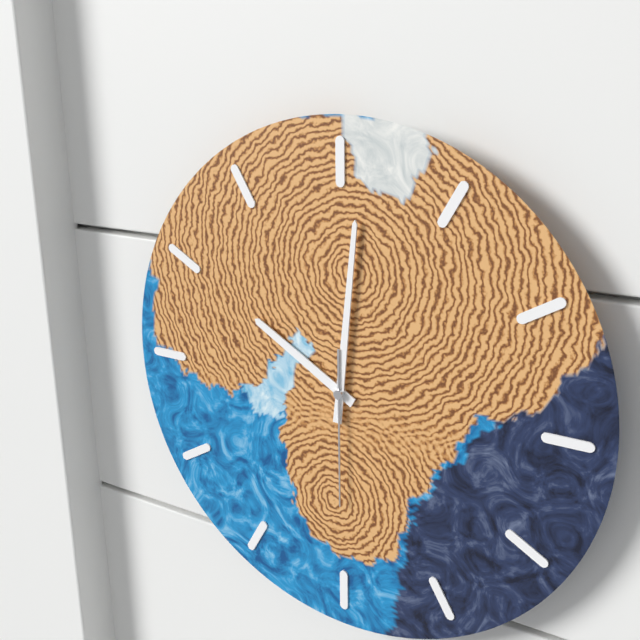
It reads 10h01m30s
